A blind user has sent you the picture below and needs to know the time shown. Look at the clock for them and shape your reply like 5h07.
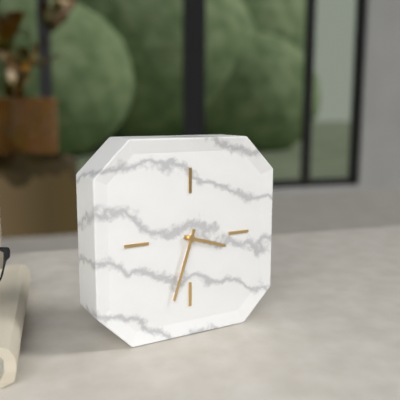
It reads 3h33
